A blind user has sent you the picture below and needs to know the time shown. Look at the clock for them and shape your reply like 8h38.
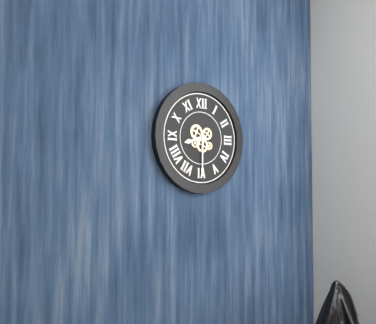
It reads 8h30
